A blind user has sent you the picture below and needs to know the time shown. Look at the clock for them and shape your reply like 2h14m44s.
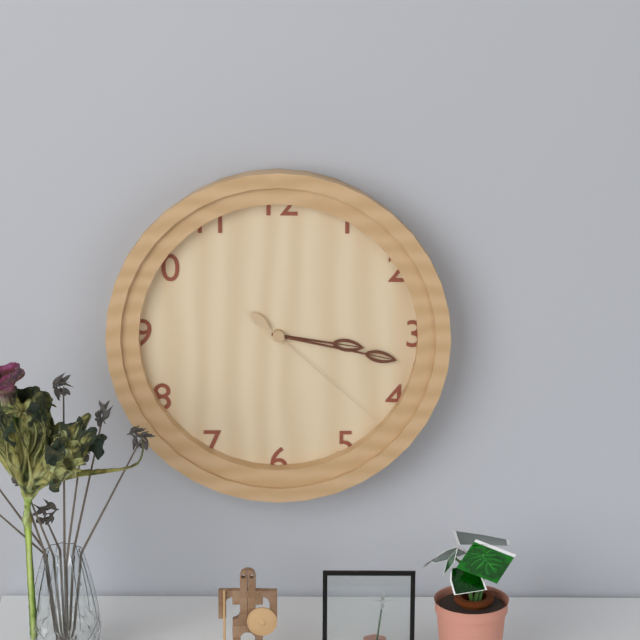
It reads 3h17m22s
